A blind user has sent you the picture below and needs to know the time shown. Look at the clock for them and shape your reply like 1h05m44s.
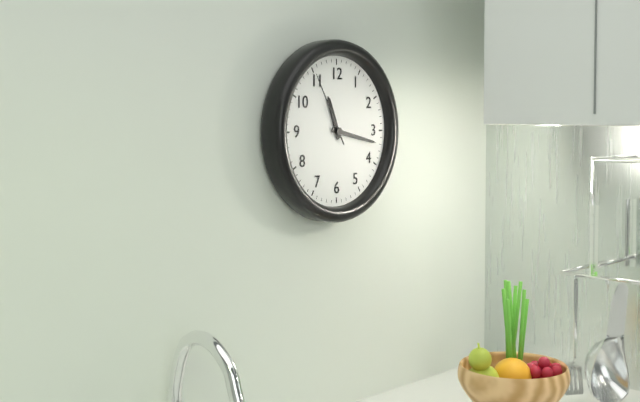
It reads 11h17m55s
